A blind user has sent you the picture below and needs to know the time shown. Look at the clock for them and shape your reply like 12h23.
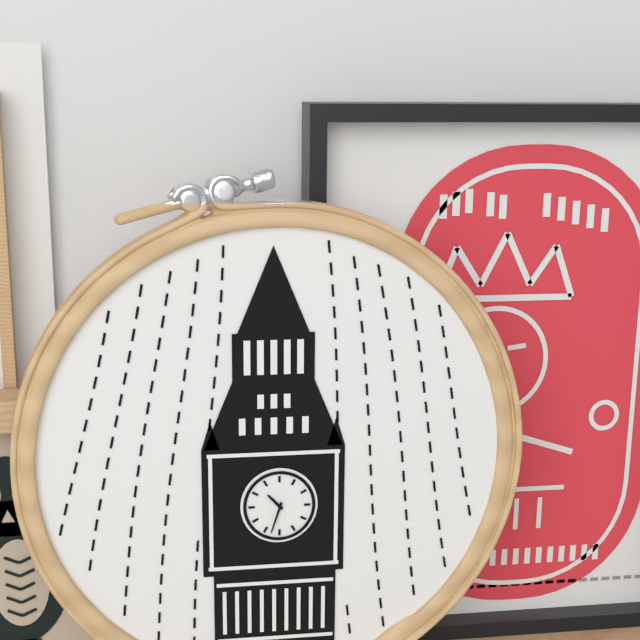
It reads 10h33
